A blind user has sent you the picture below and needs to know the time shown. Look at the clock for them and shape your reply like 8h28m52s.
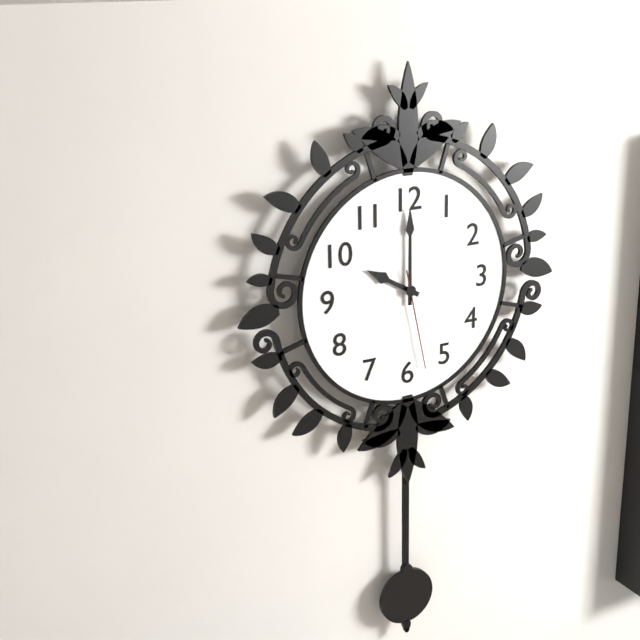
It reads 10h00m28s
